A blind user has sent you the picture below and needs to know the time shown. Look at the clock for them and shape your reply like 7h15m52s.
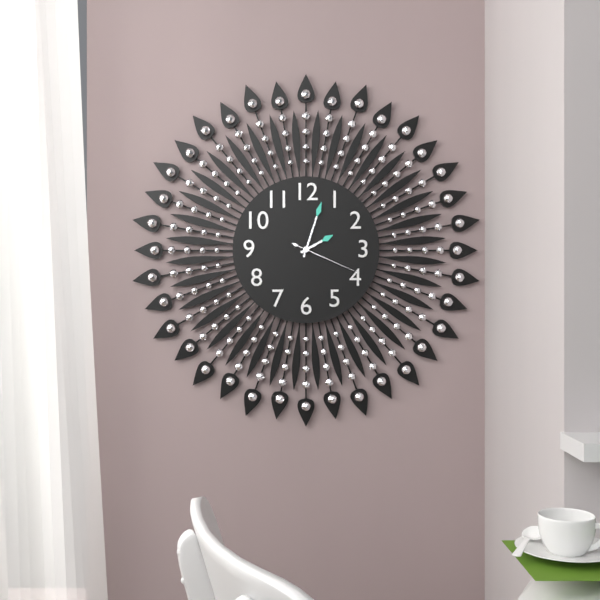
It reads 2h03m19s
